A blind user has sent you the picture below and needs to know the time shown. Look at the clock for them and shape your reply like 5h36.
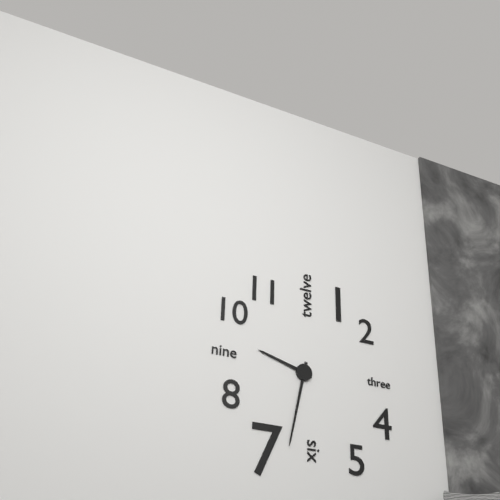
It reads 9h32
